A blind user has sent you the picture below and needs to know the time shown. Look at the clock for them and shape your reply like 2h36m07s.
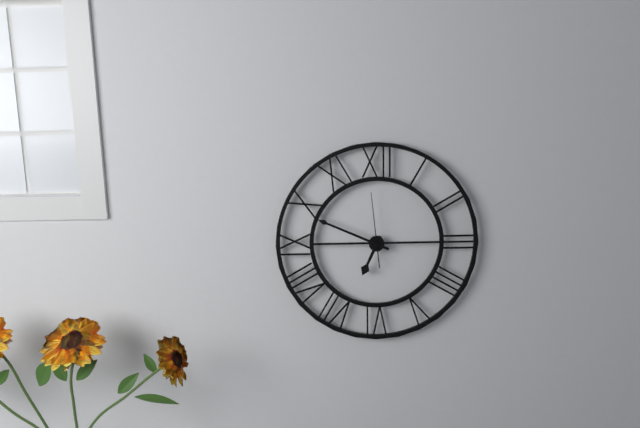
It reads 6h49m59s
